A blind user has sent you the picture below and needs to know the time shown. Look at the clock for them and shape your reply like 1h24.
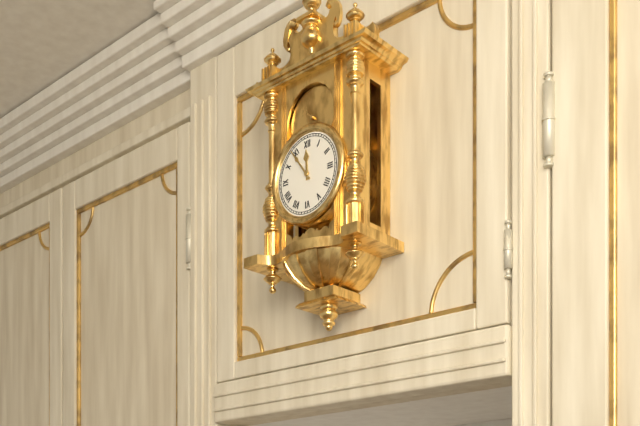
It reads 11h54
